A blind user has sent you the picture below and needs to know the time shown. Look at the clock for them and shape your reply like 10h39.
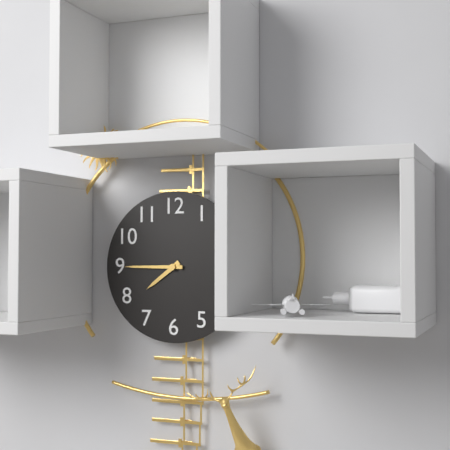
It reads 7h45
